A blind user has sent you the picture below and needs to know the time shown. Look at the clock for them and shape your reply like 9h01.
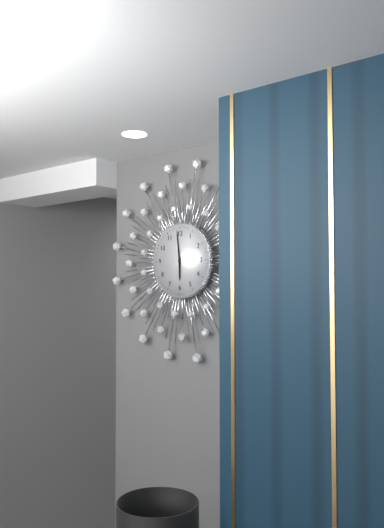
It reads 5h59
